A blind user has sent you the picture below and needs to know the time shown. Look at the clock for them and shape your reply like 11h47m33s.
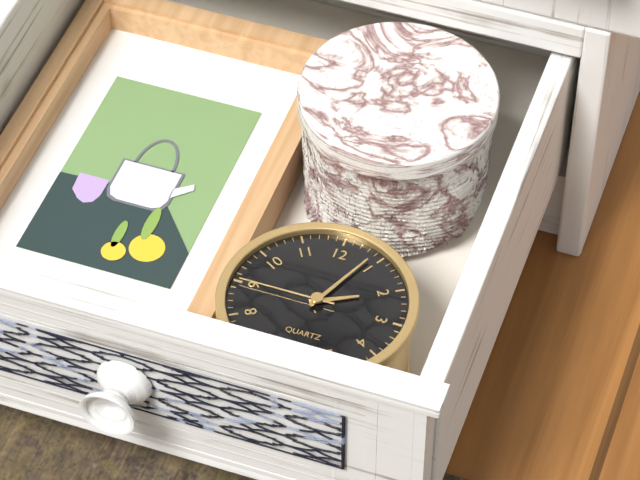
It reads 2h04m45s
